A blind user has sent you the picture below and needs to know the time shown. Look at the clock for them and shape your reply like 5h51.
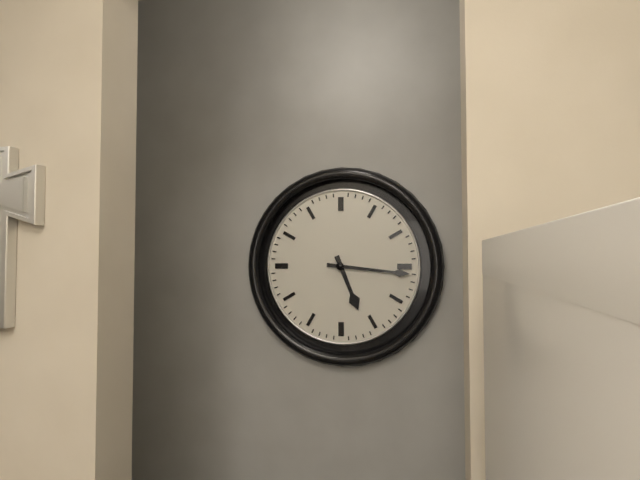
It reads 5h16
